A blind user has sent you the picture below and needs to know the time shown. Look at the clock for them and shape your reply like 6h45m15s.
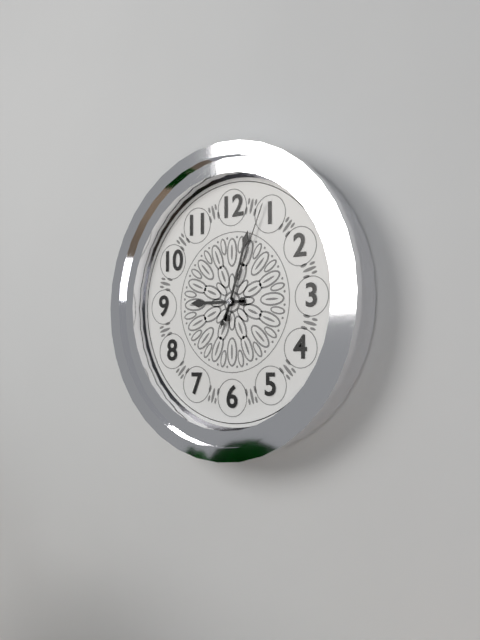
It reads 9h03m04s
